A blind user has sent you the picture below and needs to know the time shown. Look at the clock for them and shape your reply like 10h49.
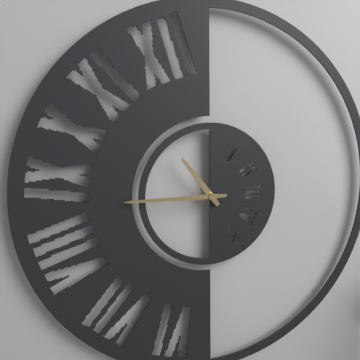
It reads 10h45
